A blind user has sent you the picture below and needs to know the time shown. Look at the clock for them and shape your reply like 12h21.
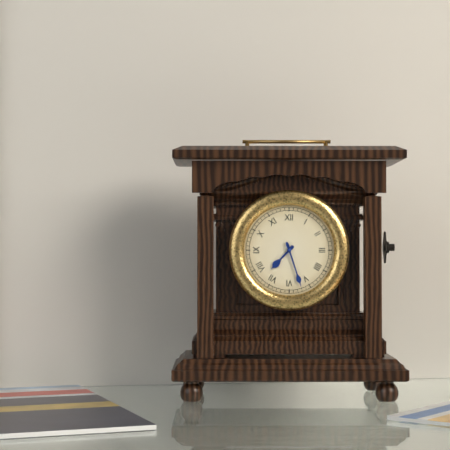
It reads 7h27
